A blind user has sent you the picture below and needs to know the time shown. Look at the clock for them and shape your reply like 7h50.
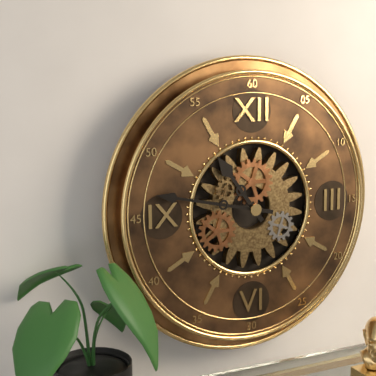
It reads 10h47
